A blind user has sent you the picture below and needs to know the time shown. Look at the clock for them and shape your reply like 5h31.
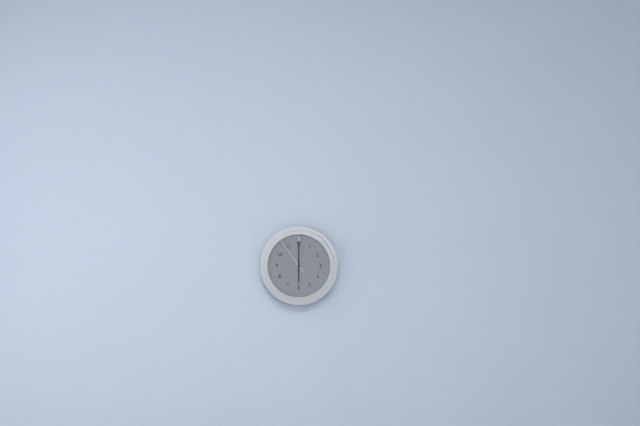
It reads 6h00
